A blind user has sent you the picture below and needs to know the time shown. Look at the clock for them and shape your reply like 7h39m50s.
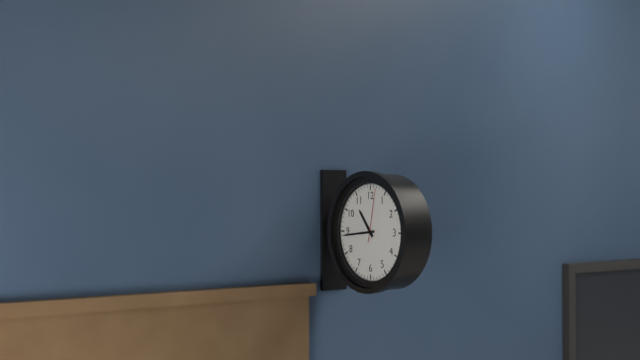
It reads 10h44m02s
